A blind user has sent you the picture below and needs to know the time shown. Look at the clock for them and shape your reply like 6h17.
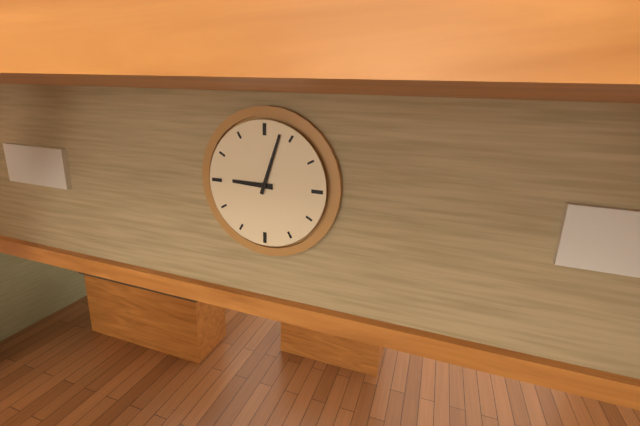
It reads 9h03
